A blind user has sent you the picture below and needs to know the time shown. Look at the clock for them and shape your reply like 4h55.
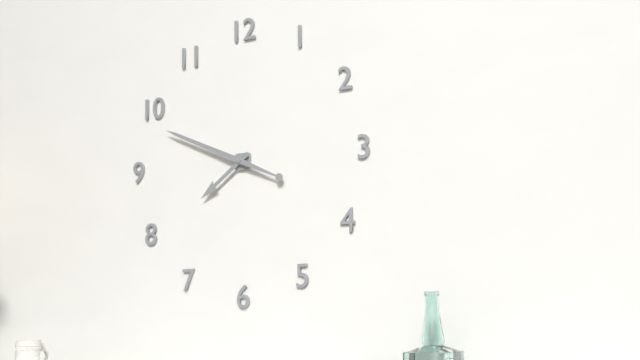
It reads 7h49
